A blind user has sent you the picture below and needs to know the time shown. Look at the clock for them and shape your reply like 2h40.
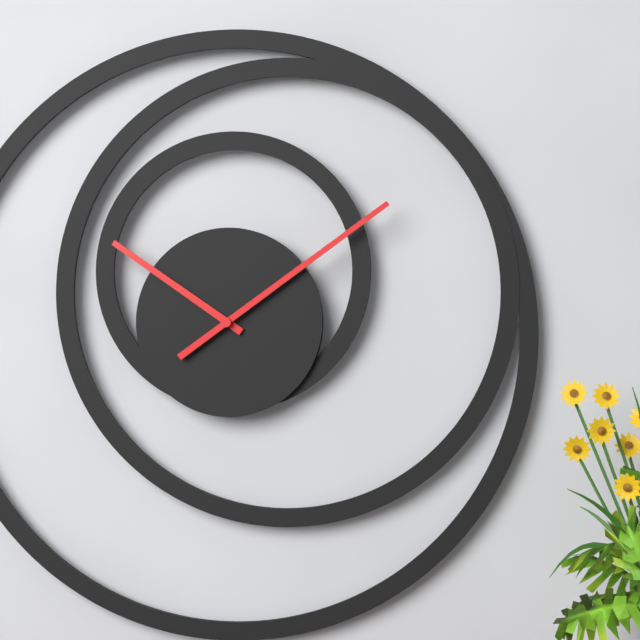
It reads 10h09
